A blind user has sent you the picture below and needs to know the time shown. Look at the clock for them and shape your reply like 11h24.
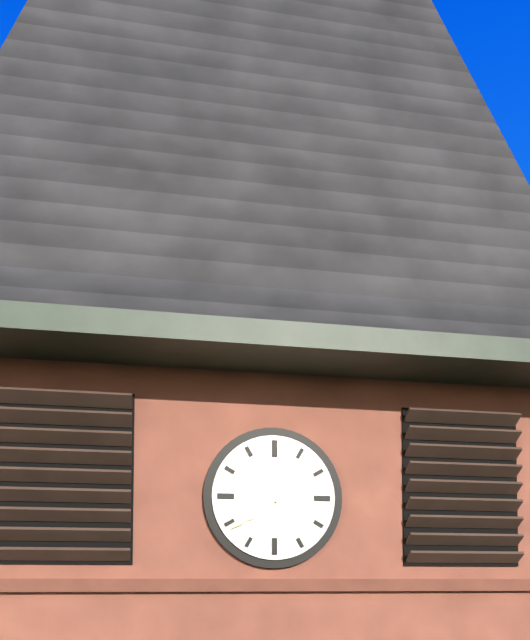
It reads 7h39
